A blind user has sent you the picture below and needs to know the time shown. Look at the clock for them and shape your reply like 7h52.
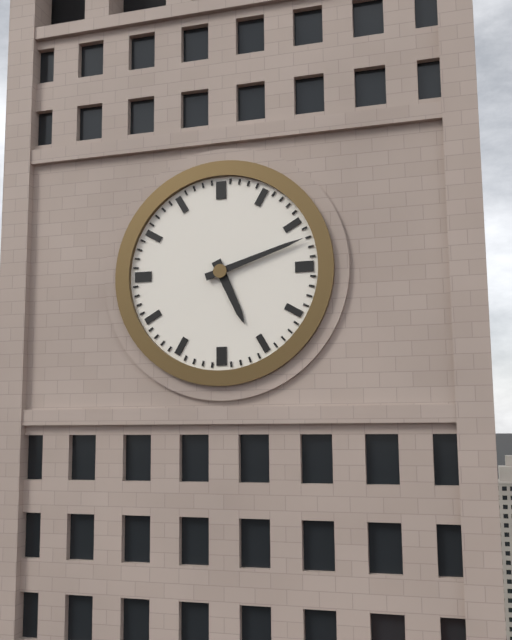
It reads 5h12
